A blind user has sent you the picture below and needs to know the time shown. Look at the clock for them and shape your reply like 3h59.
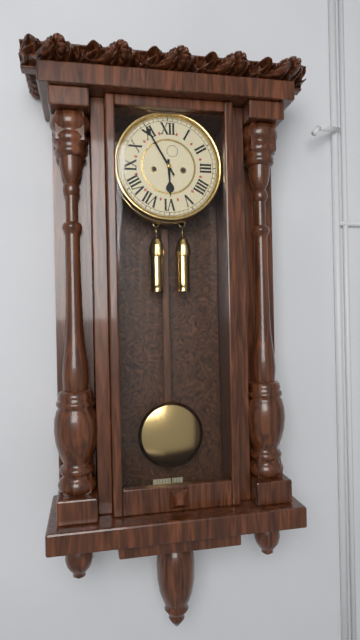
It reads 5h55
